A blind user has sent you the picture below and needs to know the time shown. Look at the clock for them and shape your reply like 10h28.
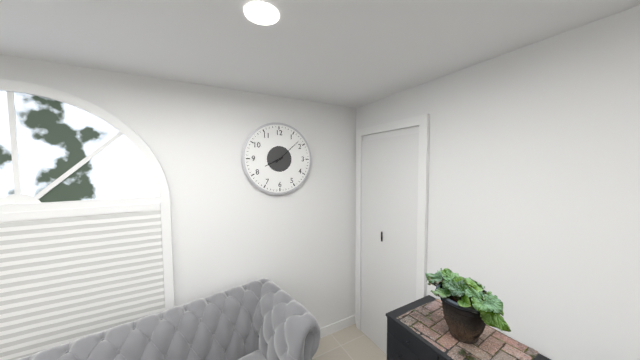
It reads 8h08
